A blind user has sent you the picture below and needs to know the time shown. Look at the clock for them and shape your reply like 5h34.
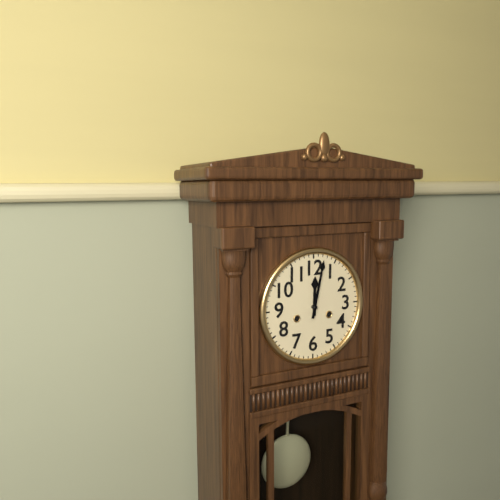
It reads 12h02
